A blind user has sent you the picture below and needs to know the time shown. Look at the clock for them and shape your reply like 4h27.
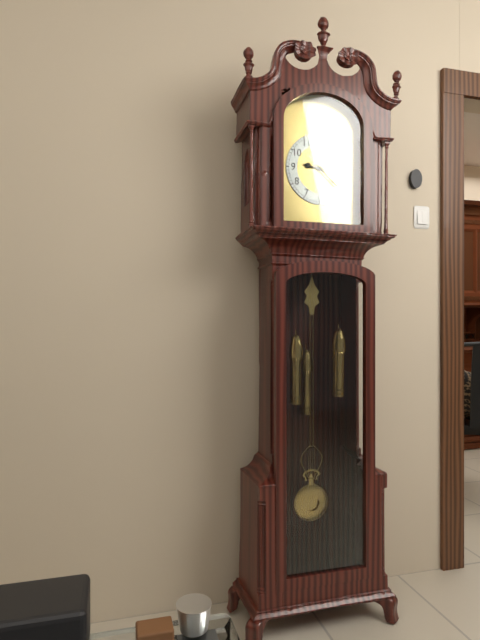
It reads 9h22
